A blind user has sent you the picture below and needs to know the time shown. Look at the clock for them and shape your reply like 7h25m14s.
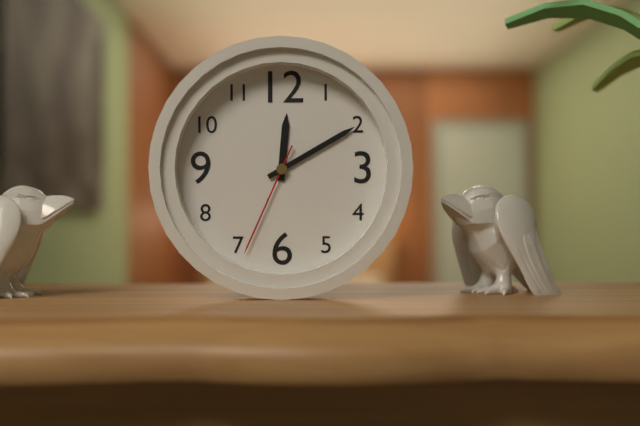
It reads 12h10m34s
